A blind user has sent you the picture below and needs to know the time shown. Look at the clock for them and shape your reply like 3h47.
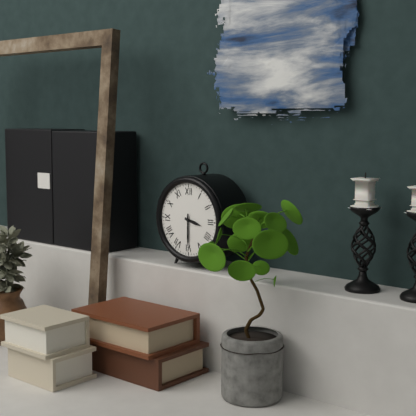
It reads 3h30
